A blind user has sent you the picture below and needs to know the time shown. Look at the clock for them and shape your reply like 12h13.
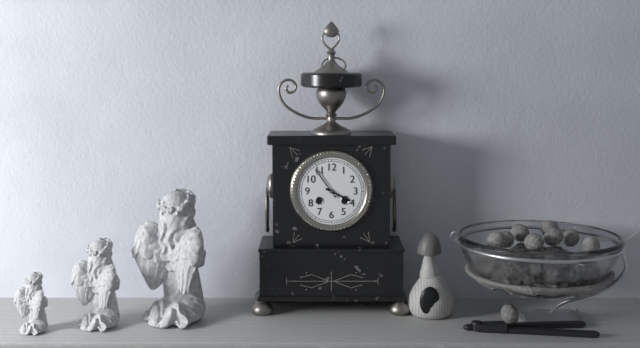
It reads 3h54
